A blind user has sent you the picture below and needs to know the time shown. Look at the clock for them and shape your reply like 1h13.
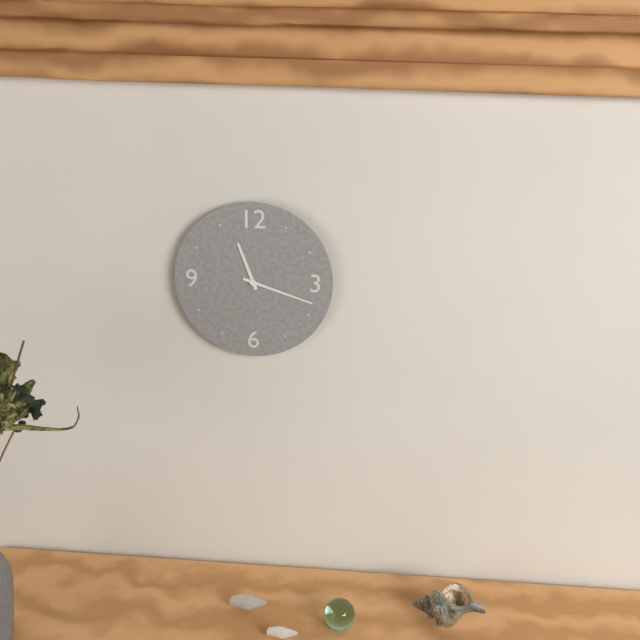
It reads 11h18
